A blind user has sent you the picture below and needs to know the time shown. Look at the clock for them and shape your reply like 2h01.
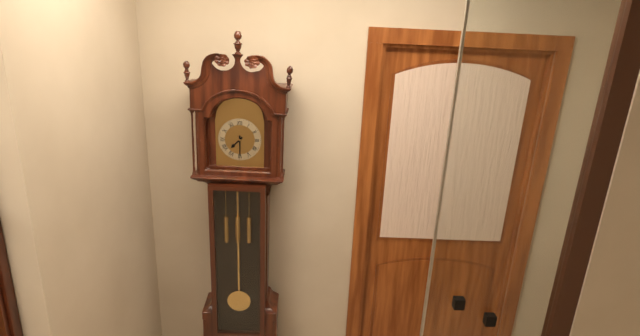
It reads 7h30
